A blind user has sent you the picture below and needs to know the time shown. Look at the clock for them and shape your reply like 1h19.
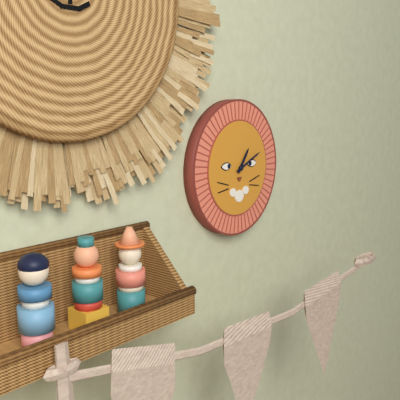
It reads 1h11
